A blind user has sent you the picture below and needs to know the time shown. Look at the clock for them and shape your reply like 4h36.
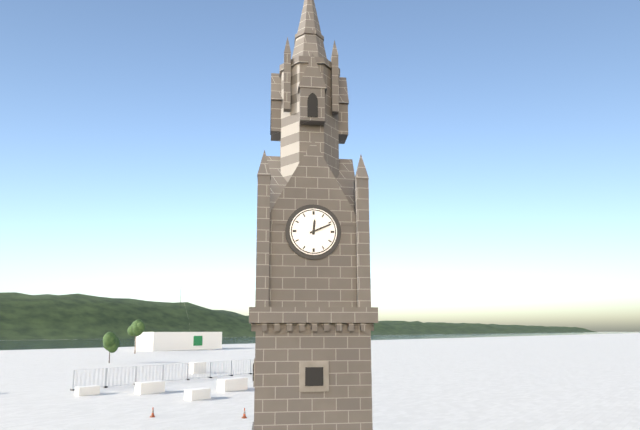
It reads 12h11
